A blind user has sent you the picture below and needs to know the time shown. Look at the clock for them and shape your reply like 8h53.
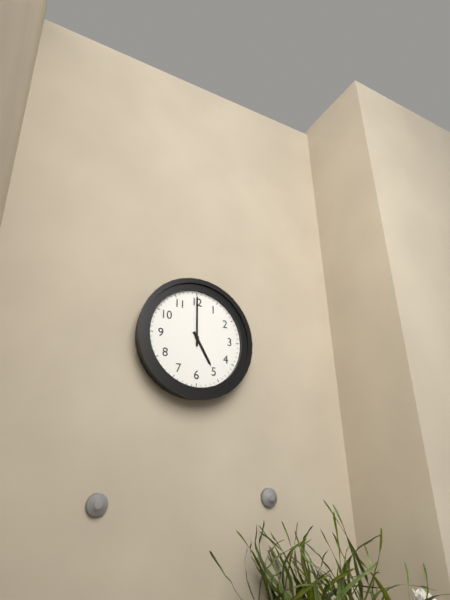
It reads 5h00
